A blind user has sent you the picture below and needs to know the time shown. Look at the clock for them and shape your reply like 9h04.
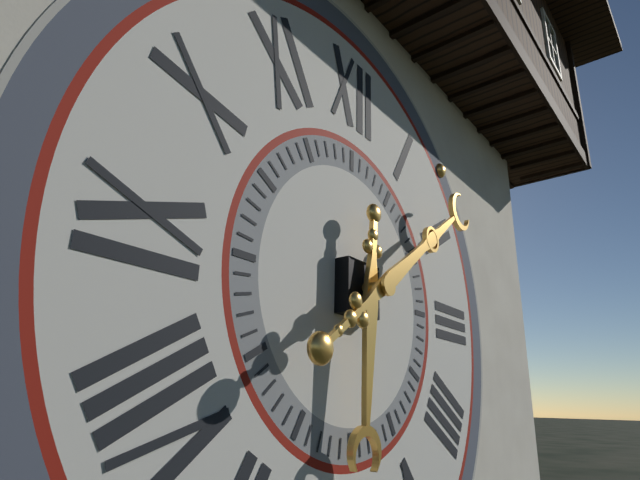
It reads 6h09
